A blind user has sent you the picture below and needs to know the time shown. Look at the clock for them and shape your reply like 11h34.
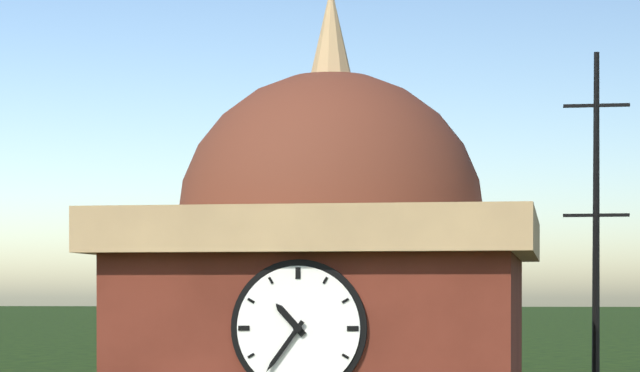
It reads 10h36
